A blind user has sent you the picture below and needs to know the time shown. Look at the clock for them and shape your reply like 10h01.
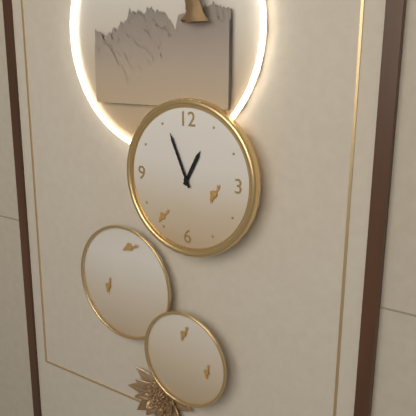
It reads 12h56
